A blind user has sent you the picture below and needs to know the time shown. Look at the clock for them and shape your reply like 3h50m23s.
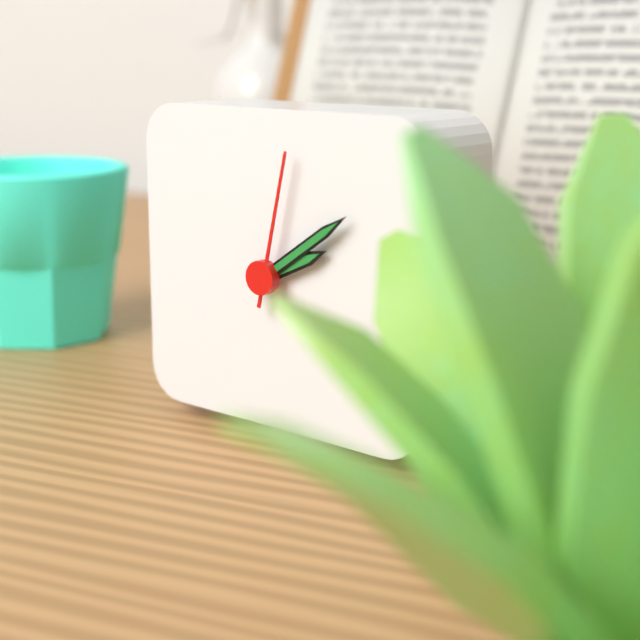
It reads 2h09m02s
